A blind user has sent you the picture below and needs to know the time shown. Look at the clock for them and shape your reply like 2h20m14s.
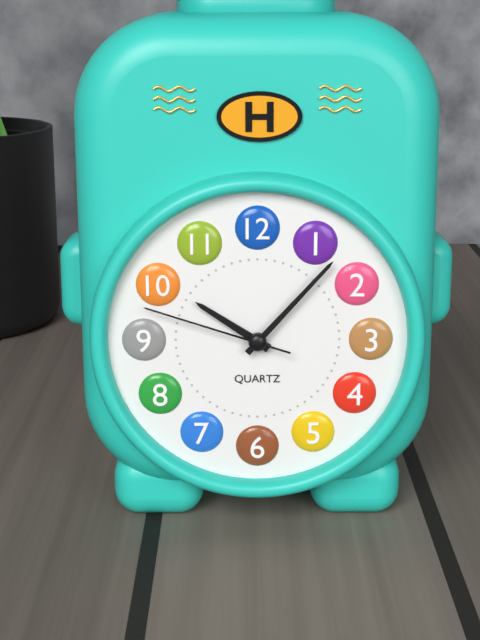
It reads 10h07m48s
